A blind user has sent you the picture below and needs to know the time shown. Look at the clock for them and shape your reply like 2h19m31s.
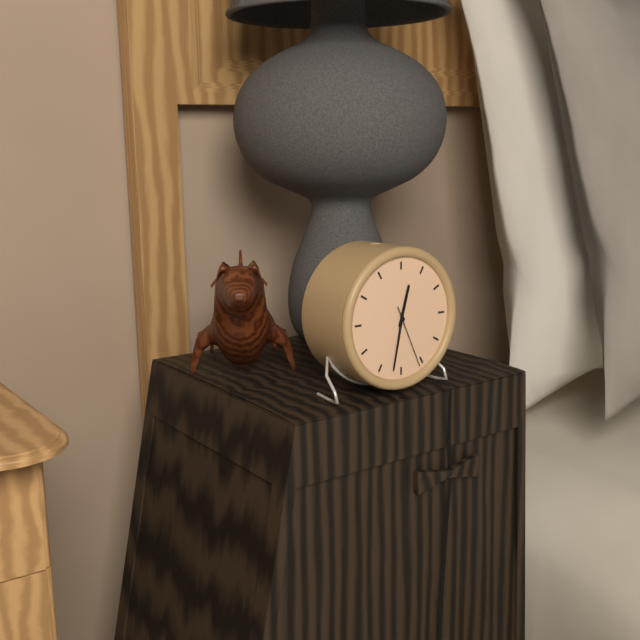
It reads 12h32m26s
